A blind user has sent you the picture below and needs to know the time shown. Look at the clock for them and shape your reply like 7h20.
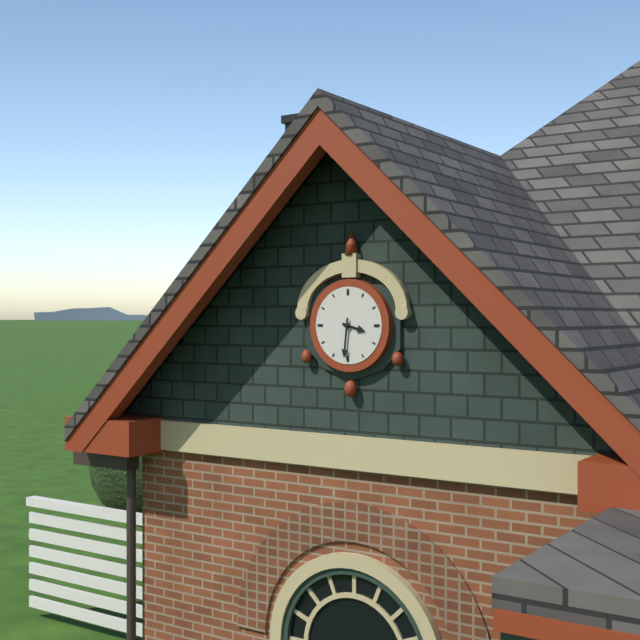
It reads 3h31
